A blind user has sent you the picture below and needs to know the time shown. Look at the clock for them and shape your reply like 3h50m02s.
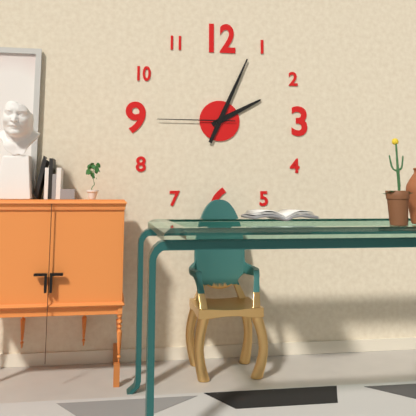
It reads 2h04m45s
